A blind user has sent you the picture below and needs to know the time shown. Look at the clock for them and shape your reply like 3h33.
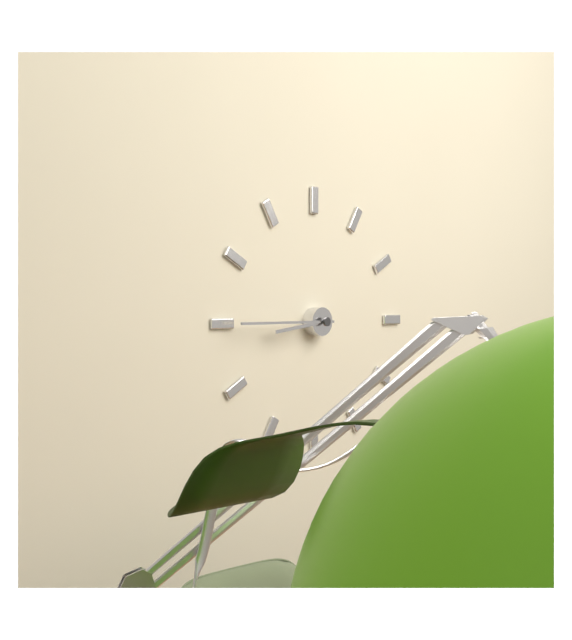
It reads 8h45
